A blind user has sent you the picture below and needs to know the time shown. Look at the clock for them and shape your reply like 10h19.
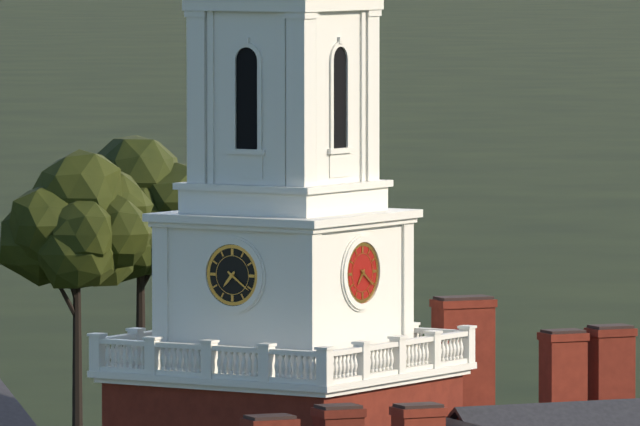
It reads 7h21
